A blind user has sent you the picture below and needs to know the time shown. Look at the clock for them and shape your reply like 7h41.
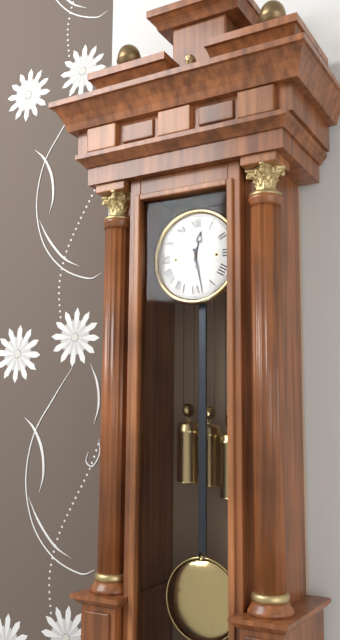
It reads 12h28
